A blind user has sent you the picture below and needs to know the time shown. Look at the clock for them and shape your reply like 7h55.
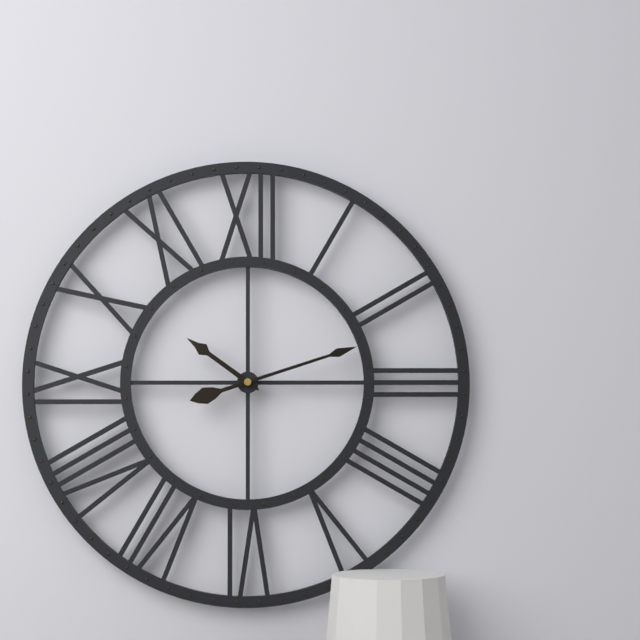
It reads 10h12
